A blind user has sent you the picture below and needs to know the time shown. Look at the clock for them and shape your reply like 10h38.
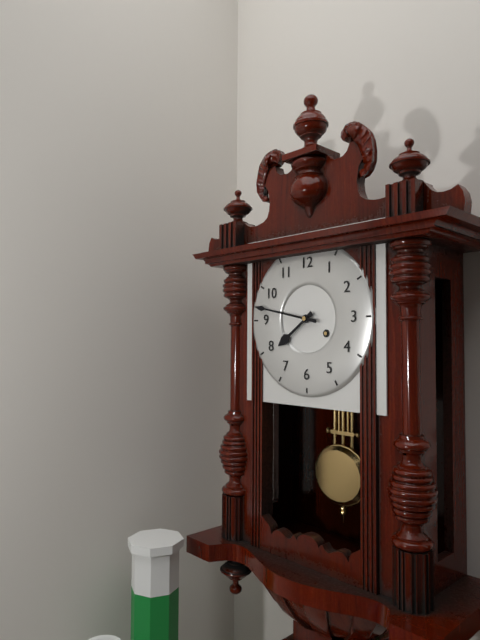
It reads 7h47
